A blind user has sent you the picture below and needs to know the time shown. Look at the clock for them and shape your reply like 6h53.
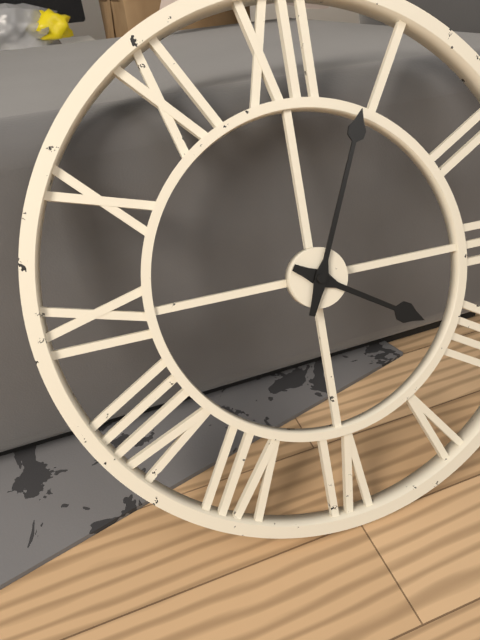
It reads 4h04
